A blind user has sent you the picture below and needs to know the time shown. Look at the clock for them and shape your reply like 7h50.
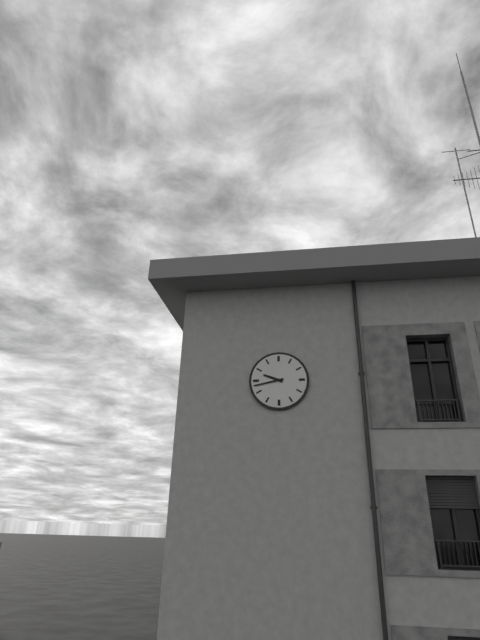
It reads 9h43
